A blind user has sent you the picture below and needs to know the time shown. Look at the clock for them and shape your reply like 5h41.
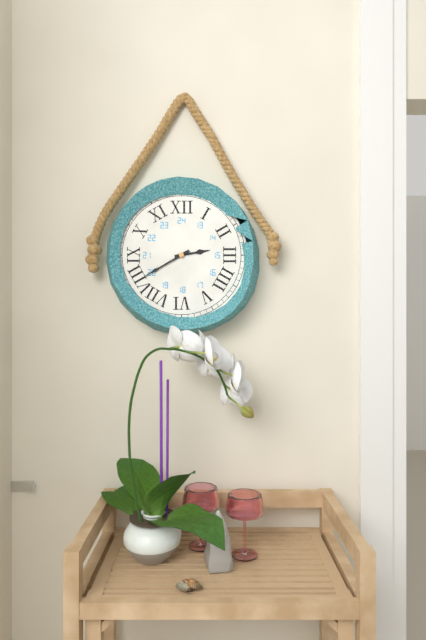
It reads 2h40
